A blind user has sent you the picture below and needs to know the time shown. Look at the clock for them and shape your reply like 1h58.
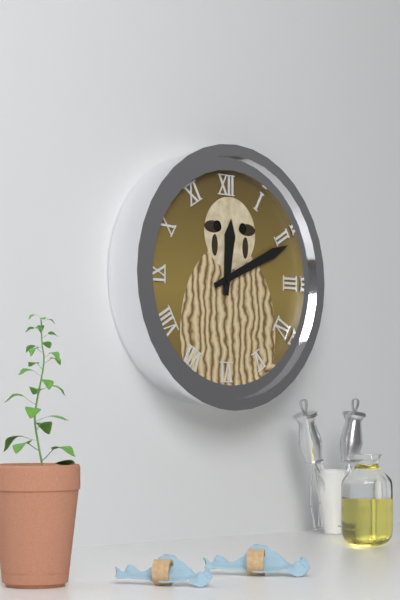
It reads 12h11
